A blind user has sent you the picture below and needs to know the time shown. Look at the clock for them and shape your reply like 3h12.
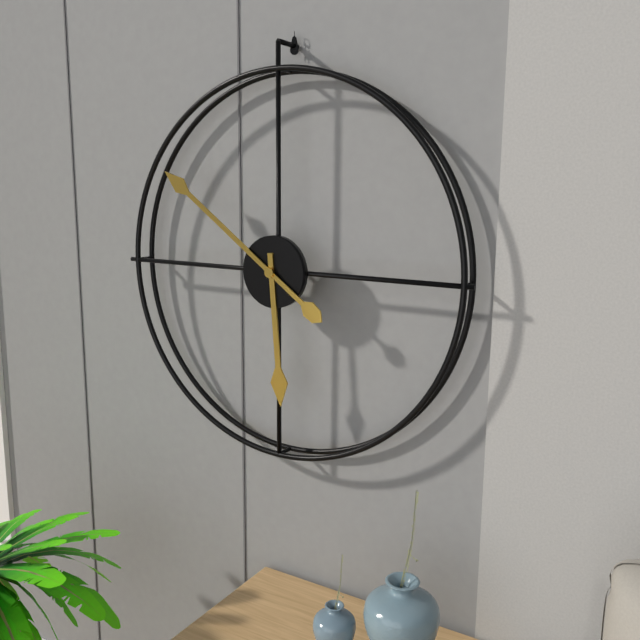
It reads 5h51
